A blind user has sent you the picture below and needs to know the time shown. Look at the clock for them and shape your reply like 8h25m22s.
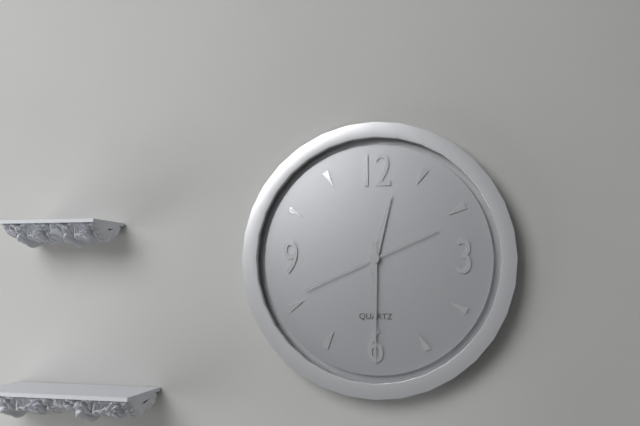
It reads 12h30m41s
